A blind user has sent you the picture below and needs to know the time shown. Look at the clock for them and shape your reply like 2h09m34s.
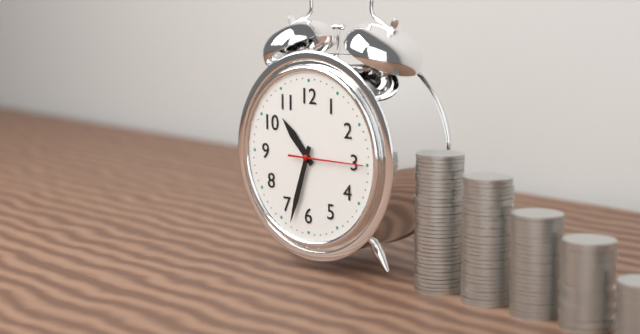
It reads 10h33m15s
